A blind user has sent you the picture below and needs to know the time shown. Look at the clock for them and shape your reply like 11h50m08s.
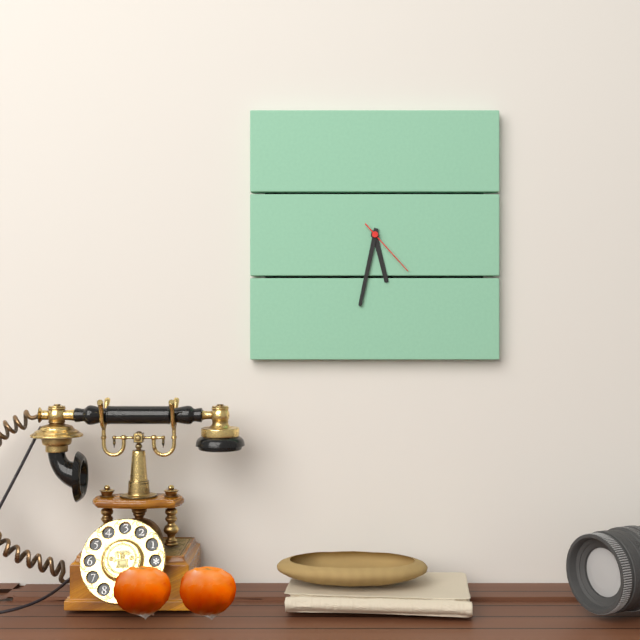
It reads 5h32m23s
